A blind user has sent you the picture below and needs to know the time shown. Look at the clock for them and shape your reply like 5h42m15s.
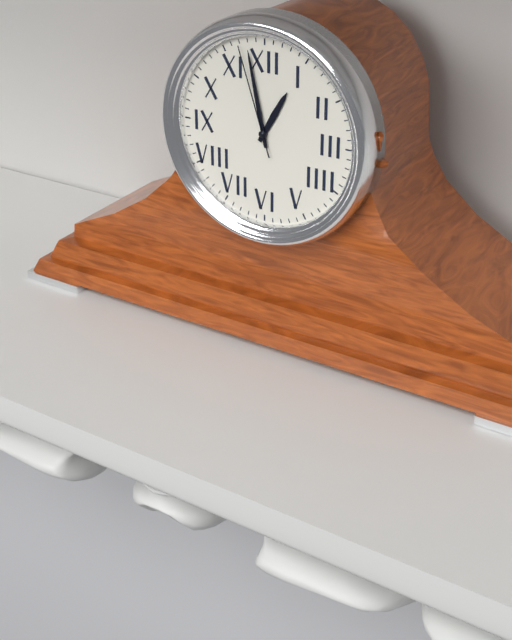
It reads 12h58m57s
